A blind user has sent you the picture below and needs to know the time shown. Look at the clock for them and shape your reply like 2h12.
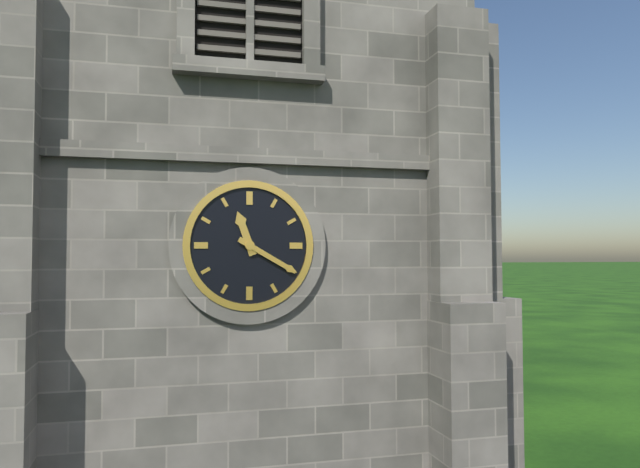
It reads 11h20
